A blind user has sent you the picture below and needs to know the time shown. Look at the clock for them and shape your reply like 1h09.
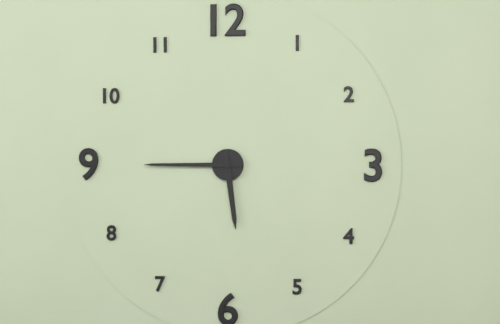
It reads 5h45
